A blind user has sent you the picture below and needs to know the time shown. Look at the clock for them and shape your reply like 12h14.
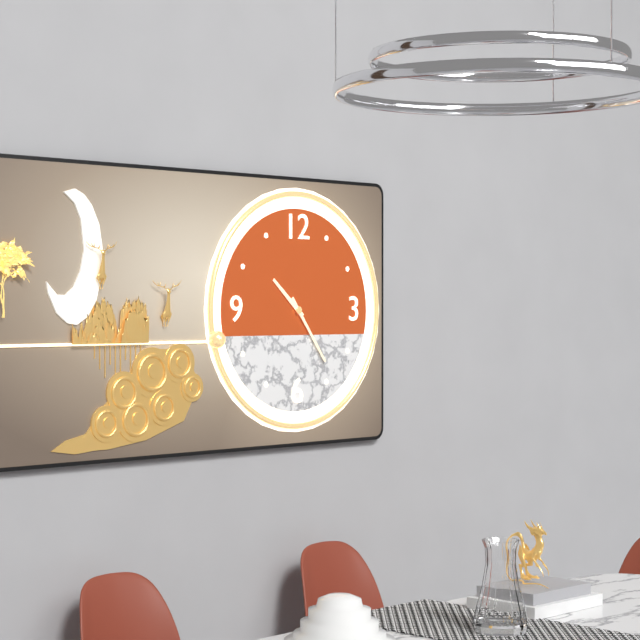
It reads 10h24
